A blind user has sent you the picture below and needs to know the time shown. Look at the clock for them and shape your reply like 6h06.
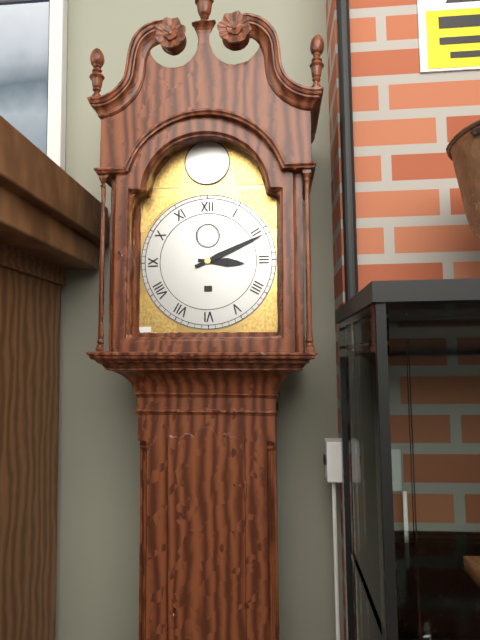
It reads 3h11
